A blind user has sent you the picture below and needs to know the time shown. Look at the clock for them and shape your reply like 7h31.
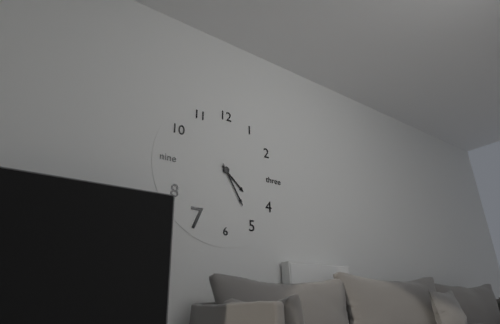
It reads 4h25
